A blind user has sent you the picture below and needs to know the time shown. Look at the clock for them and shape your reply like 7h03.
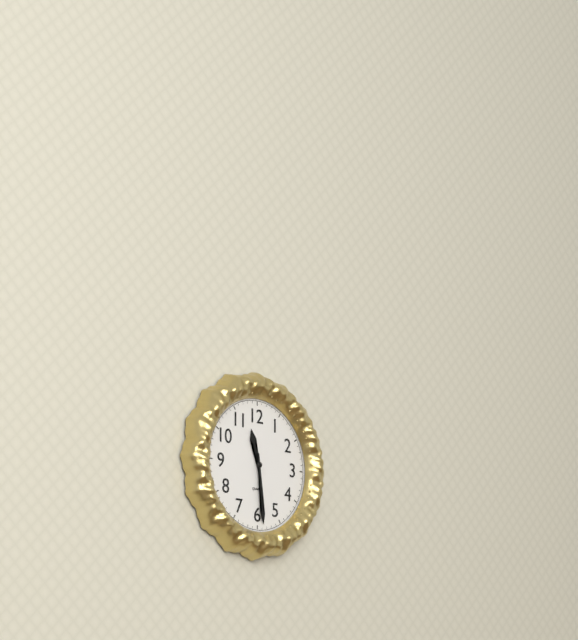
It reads 11h29
